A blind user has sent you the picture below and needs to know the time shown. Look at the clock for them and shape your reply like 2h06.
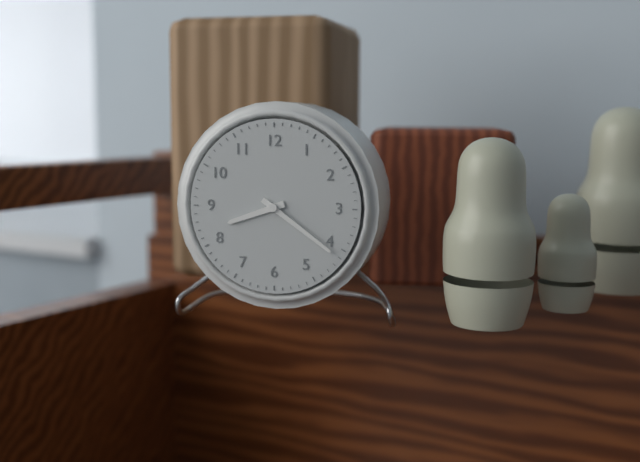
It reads 8h21
